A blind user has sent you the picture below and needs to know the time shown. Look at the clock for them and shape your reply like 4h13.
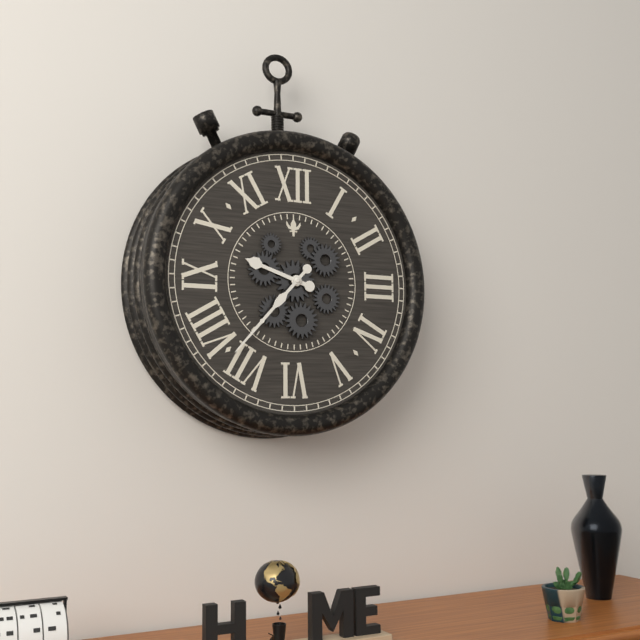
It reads 9h37
